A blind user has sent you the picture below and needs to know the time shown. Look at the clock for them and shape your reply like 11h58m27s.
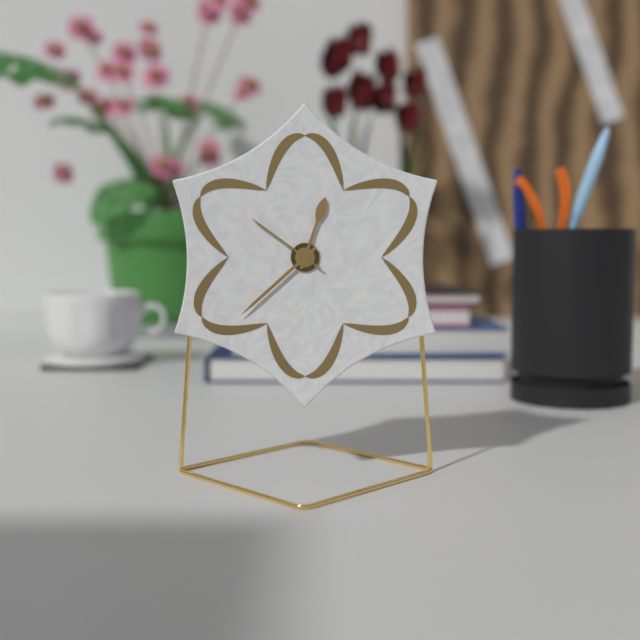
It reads 12h38m51s
